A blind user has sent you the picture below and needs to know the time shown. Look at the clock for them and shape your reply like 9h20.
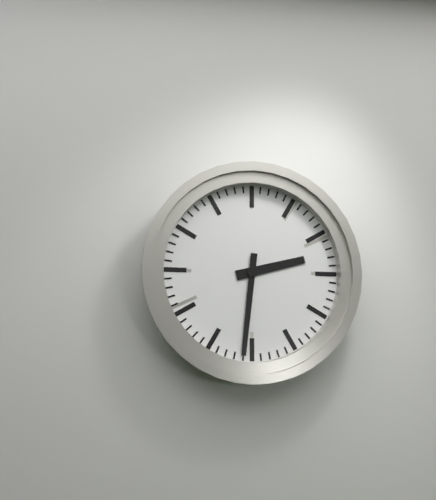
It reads 2h31
